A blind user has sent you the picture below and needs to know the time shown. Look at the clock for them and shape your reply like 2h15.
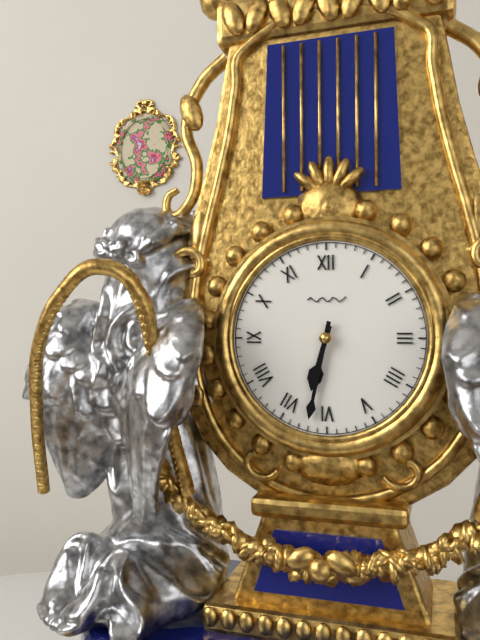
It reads 6h32
